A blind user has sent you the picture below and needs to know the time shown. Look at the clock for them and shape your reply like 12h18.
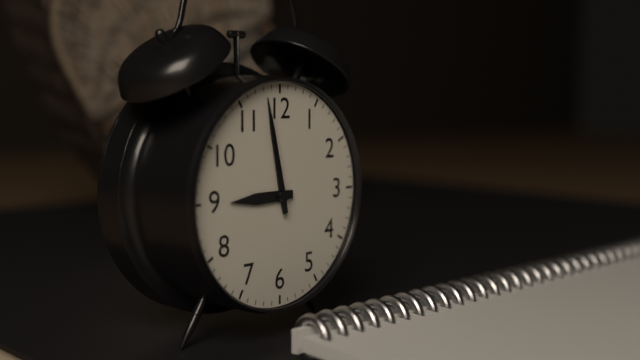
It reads 8h58
